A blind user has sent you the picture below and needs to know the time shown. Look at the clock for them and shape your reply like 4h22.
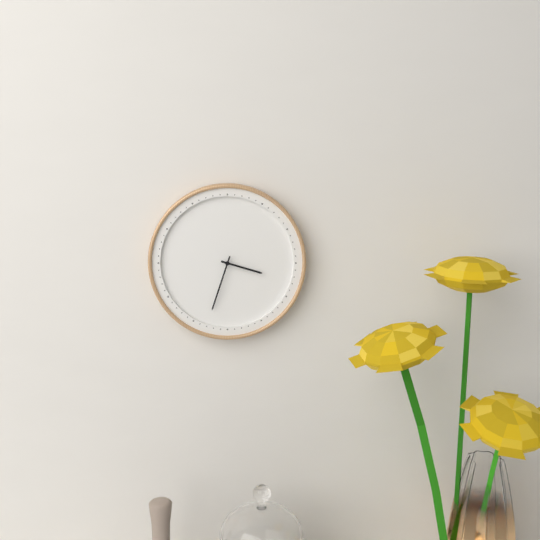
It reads 3h33
